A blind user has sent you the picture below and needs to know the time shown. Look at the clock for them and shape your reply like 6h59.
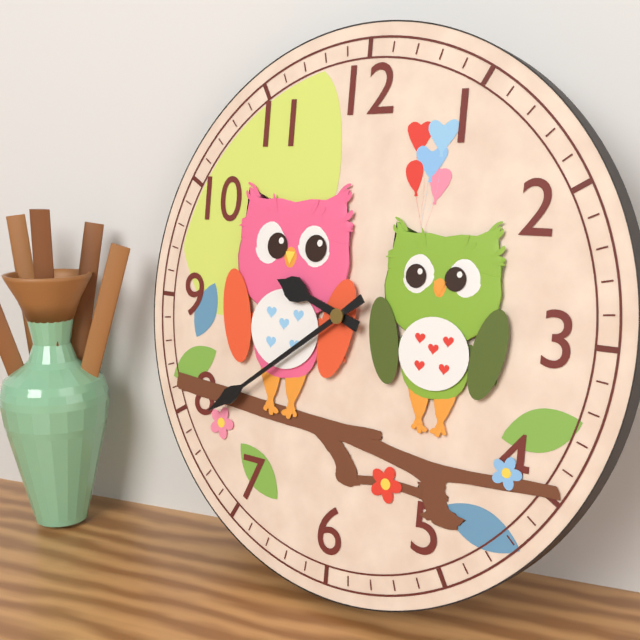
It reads 9h39
